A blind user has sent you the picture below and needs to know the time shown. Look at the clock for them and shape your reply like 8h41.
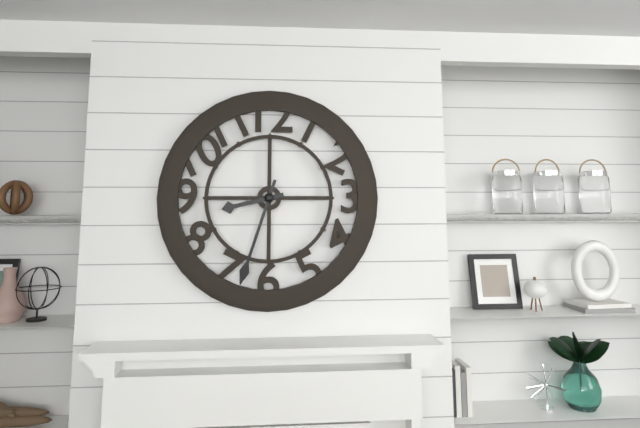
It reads 8h33
